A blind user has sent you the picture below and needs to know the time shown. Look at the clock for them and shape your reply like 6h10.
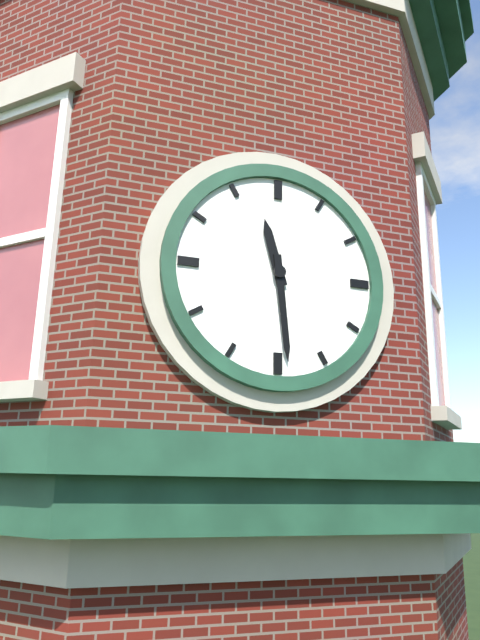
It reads 11h29
